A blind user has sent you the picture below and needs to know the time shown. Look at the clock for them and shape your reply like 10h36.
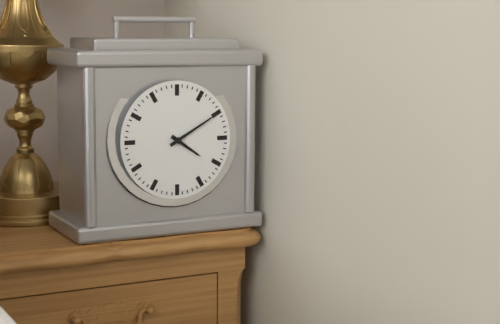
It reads 4h10
